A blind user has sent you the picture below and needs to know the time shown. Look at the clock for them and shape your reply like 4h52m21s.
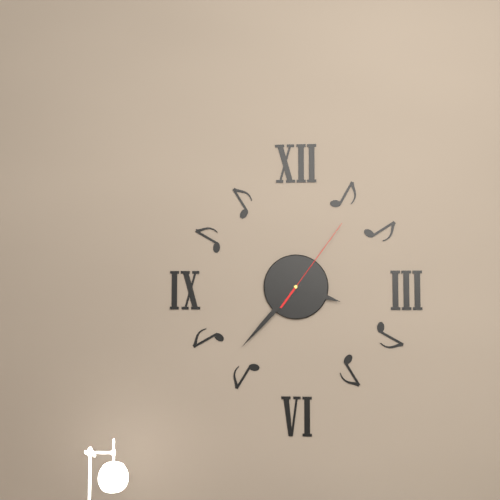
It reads 3h37m06s
